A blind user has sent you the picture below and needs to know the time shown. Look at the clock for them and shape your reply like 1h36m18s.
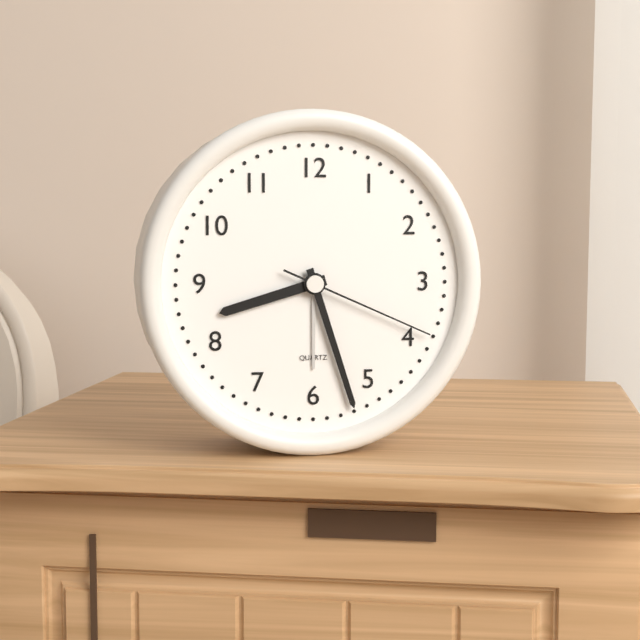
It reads 8h27m19s
